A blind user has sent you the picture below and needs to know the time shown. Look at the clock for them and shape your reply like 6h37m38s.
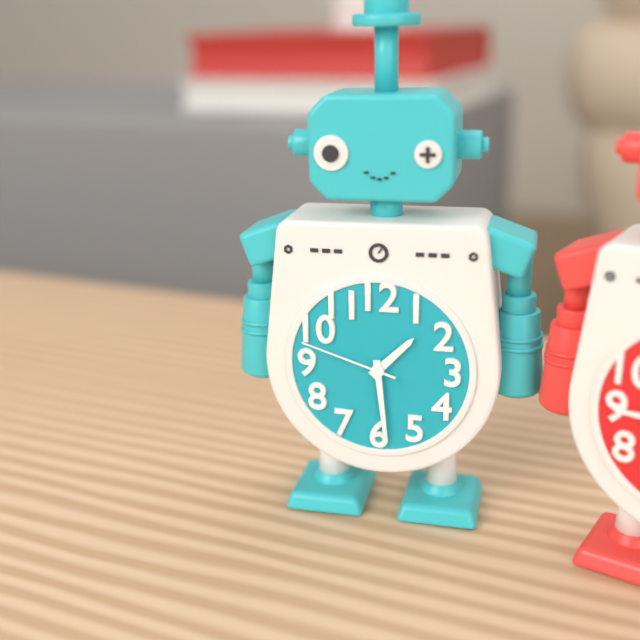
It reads 1h29m48s
